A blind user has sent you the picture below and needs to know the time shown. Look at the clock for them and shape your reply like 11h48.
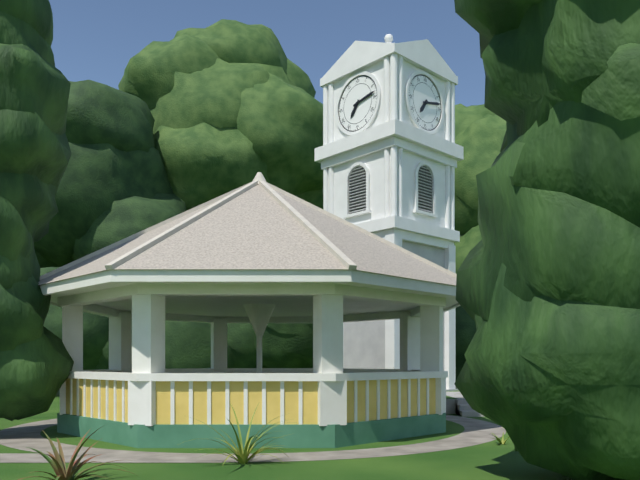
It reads 7h13
